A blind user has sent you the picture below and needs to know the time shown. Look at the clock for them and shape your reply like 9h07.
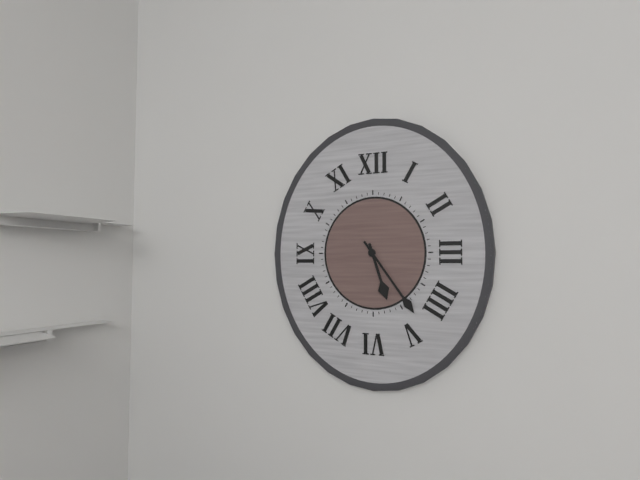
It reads 5h24
